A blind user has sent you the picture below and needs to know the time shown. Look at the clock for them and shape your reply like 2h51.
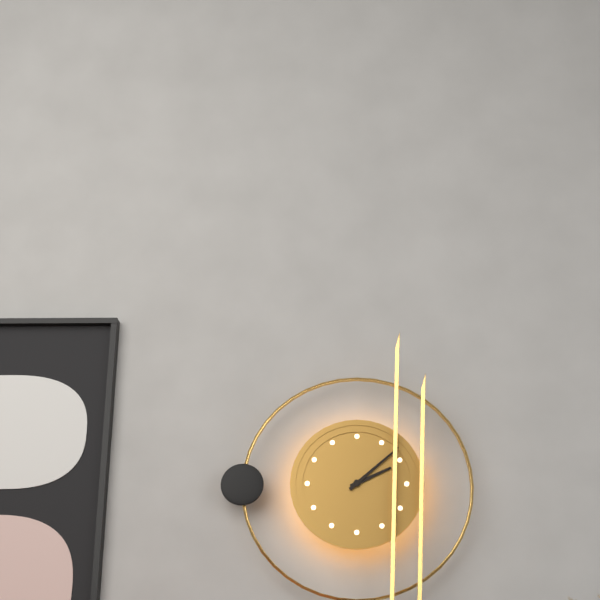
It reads 2h08
